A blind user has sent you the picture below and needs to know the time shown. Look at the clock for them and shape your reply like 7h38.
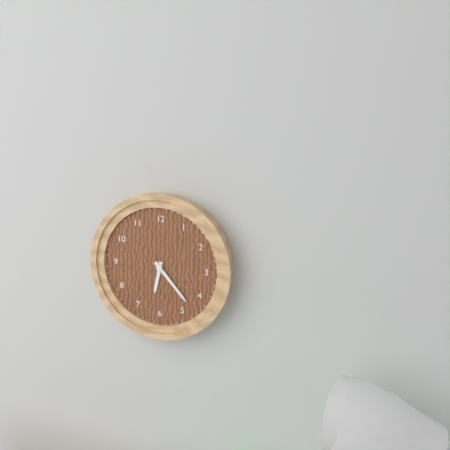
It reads 6h23
